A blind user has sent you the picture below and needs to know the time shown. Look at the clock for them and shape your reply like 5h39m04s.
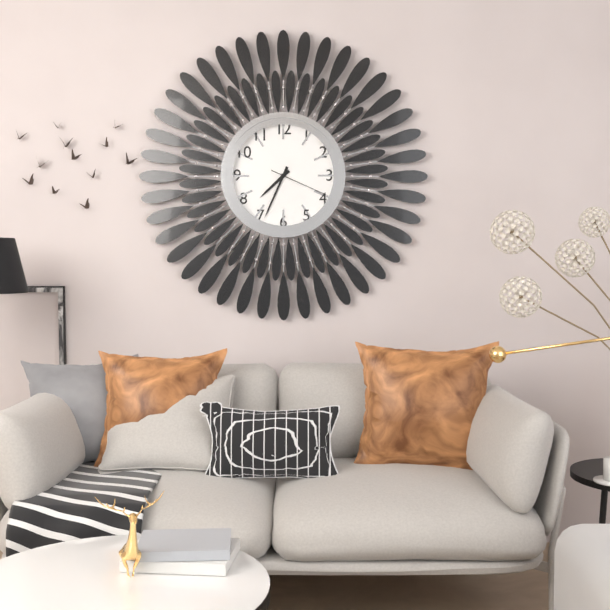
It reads 7h34m19s
